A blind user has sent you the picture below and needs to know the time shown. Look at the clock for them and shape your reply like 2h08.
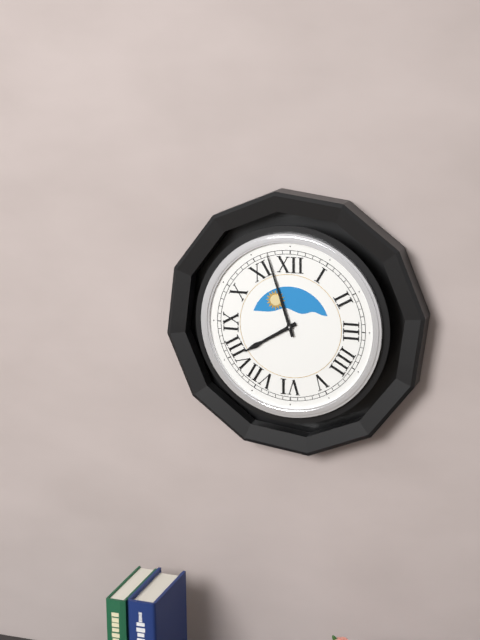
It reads 7h57
